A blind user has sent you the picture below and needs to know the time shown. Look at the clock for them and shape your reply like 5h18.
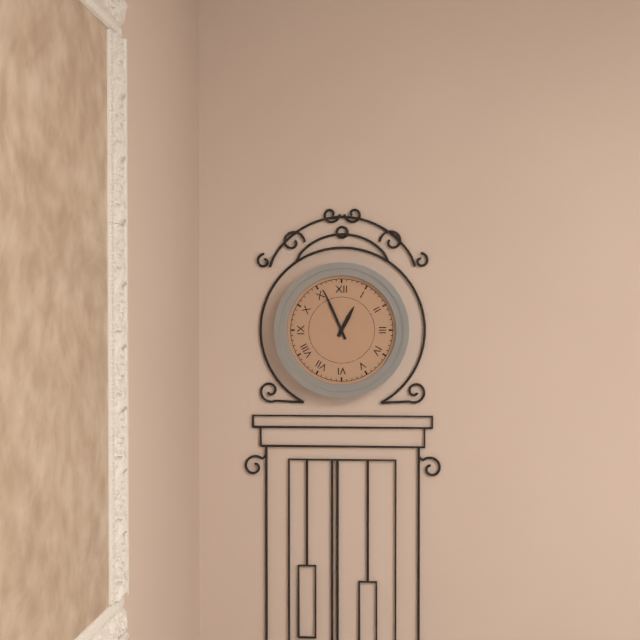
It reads 12h56
